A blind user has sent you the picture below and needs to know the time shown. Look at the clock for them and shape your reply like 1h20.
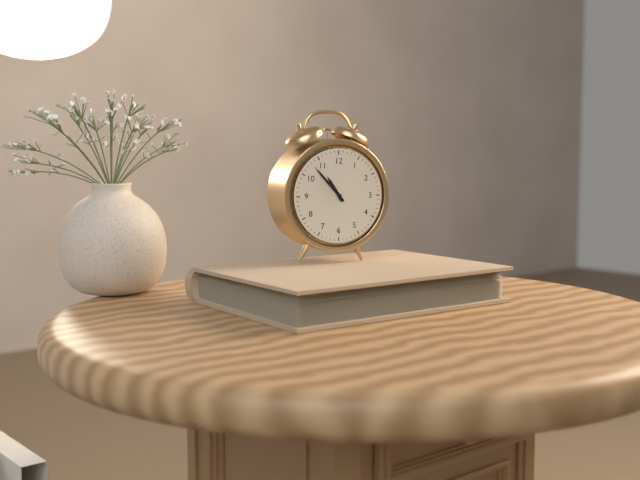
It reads 10h53
